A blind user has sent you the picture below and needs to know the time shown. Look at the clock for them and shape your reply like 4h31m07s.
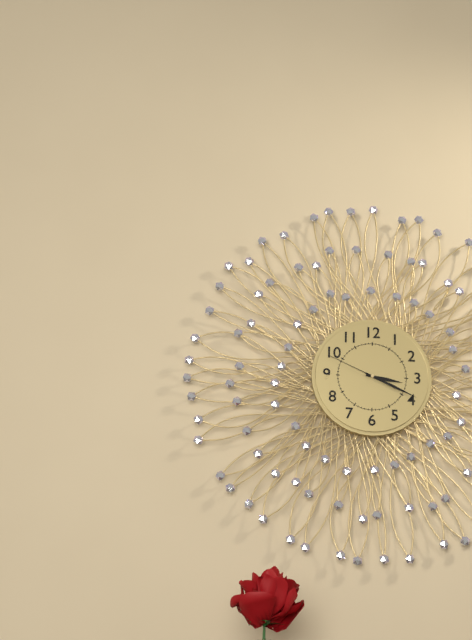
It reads 3h19m49s
